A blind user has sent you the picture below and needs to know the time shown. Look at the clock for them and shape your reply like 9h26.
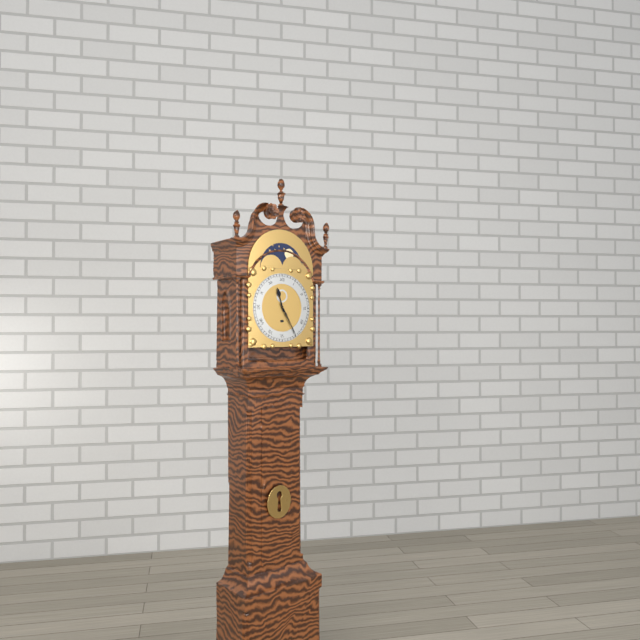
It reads 11h25
